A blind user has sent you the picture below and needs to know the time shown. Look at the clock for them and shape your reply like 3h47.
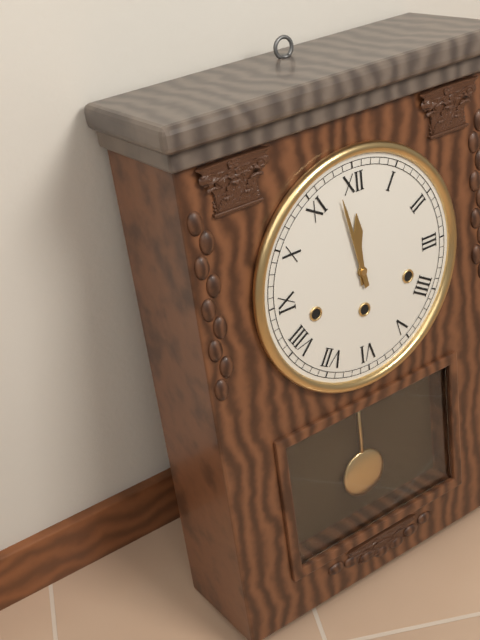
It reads 11h58
